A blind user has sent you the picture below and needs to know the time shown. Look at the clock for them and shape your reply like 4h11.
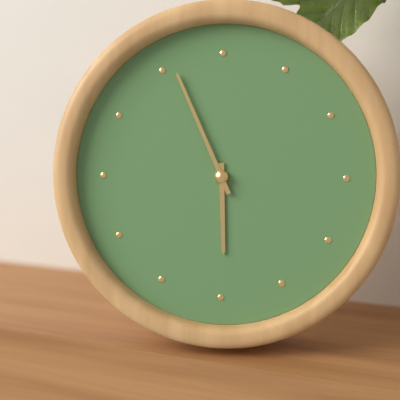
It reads 5h56
